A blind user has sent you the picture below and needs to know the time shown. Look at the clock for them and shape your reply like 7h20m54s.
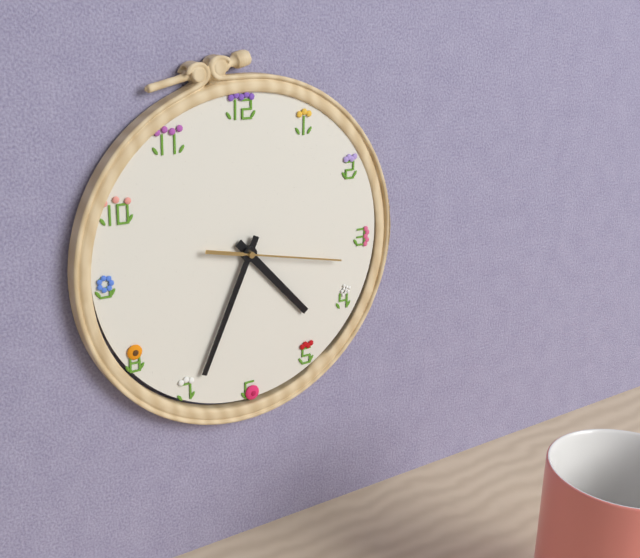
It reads 4h34m17s
